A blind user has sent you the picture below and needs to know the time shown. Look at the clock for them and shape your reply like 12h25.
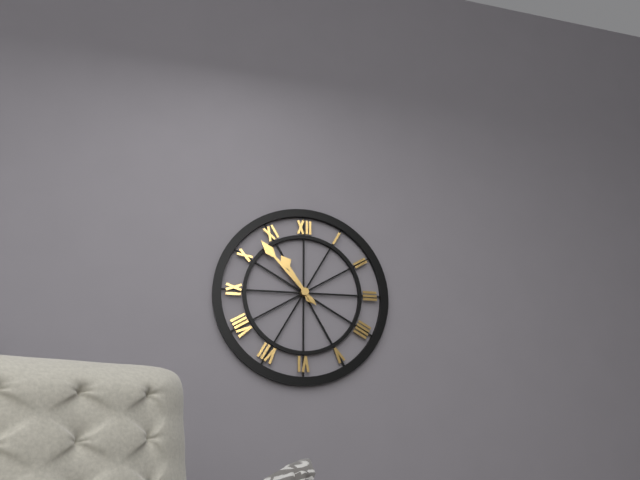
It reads 10h53
